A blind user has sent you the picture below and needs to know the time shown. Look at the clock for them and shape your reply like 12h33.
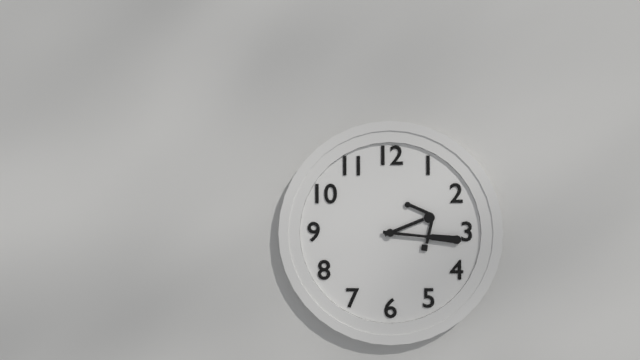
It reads 2h16
